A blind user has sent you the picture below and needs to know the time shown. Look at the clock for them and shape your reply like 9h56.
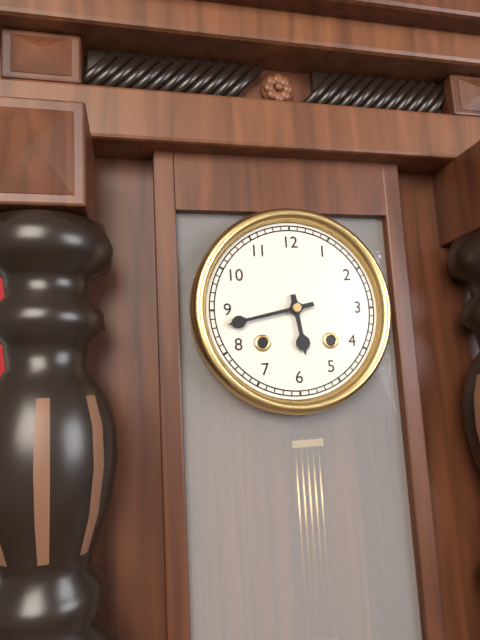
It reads 5h43
